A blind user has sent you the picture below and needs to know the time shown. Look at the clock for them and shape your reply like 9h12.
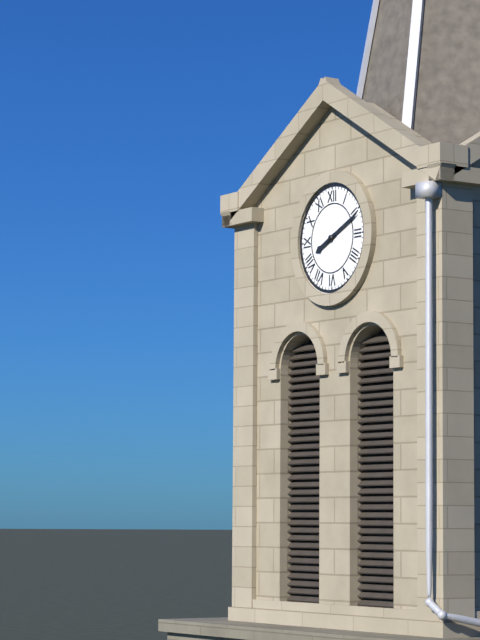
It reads 8h11
